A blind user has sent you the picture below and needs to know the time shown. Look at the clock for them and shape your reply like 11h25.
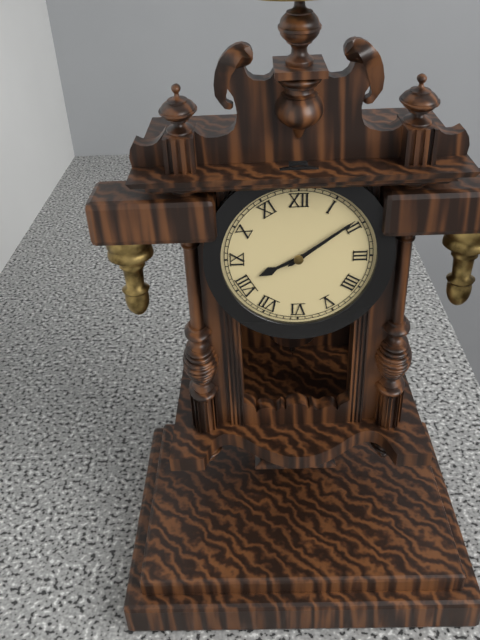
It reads 8h09
